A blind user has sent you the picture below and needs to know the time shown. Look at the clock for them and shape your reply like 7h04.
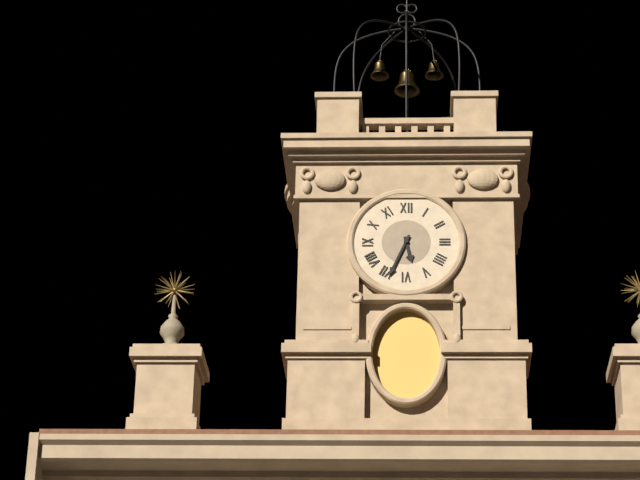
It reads 5h34
